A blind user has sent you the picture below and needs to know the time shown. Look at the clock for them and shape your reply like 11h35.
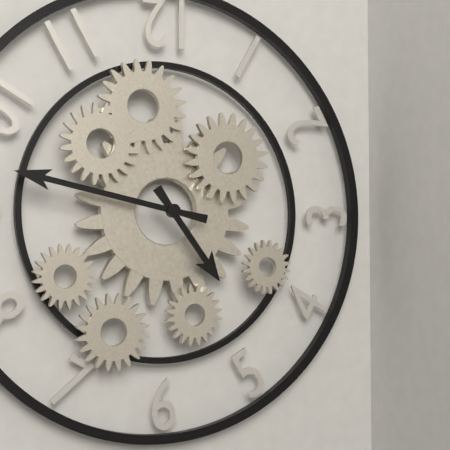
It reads 4h47
